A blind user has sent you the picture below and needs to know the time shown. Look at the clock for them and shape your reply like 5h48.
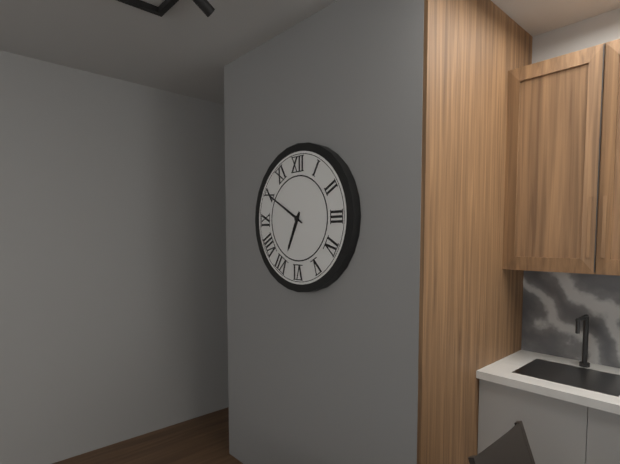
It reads 6h50
